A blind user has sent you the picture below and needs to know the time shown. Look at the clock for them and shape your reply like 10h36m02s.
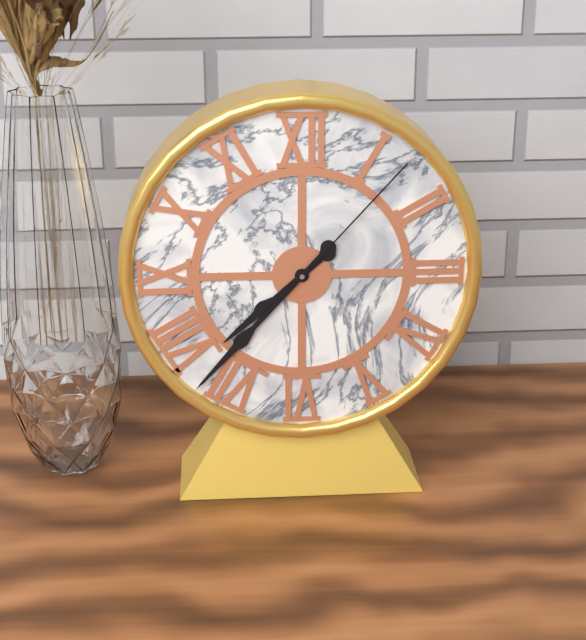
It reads 7h37m07s
